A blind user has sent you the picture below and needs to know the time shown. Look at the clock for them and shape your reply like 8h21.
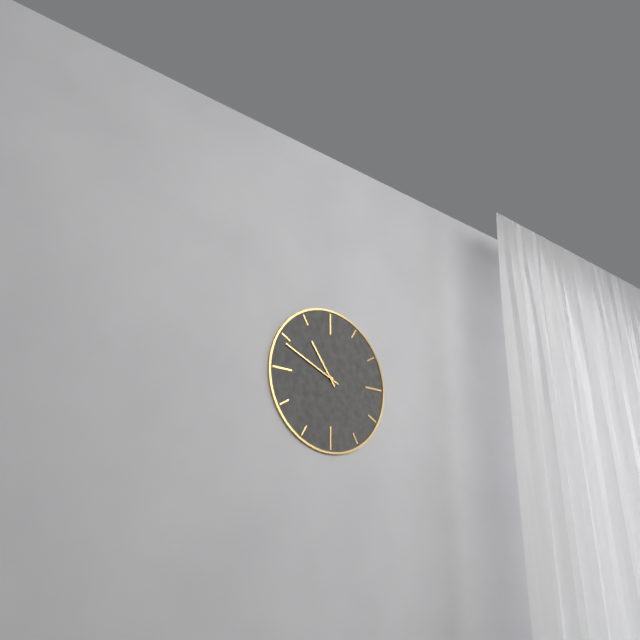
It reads 10h49
